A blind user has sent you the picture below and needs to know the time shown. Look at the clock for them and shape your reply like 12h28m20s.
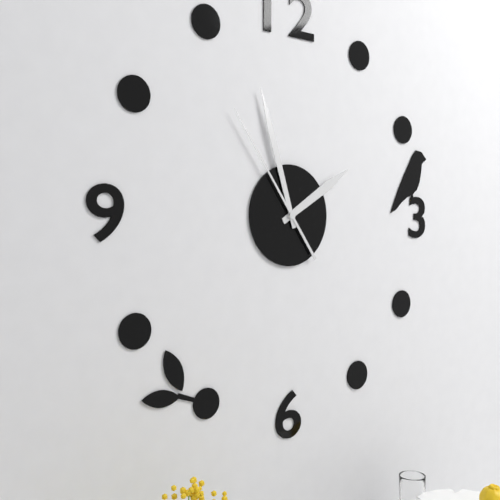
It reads 1h57m54s
